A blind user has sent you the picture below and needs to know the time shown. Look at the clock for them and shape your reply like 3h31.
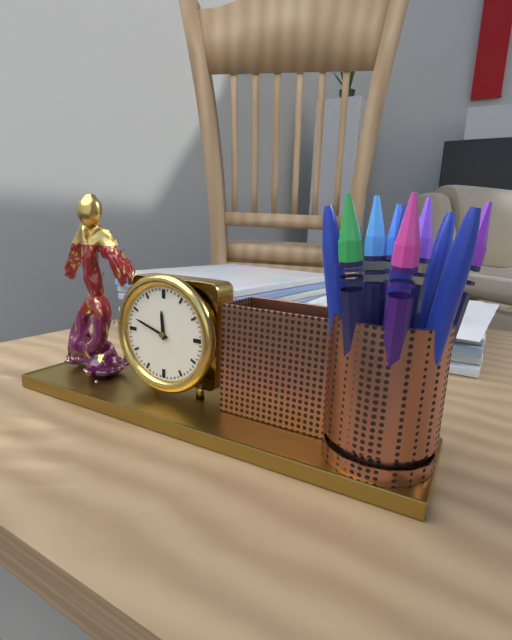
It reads 11h48
